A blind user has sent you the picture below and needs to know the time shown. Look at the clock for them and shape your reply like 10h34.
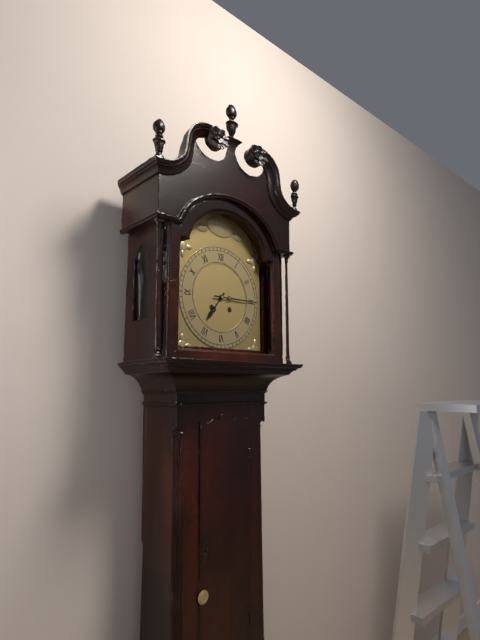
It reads 7h15
